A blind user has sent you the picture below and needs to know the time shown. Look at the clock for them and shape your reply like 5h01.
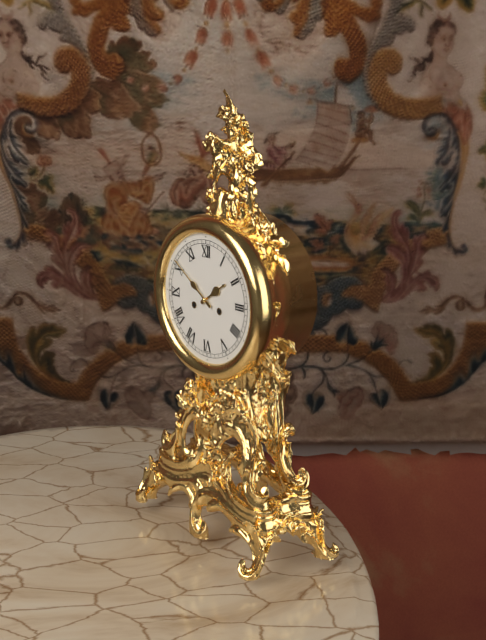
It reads 1h51
